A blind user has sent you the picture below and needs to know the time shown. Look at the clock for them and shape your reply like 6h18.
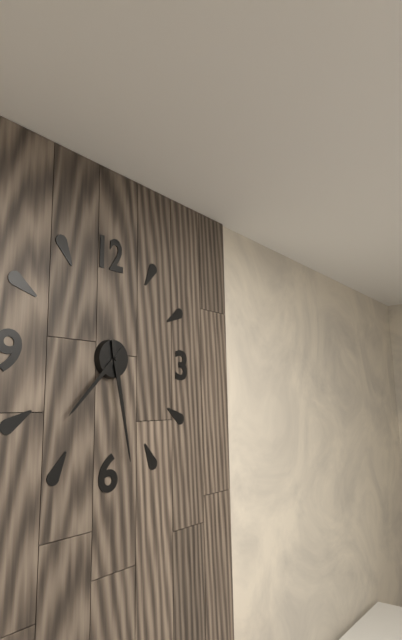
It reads 7h28
